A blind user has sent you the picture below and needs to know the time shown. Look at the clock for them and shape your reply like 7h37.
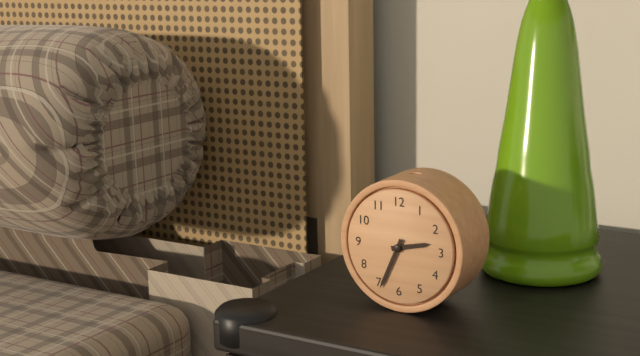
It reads 2h34
